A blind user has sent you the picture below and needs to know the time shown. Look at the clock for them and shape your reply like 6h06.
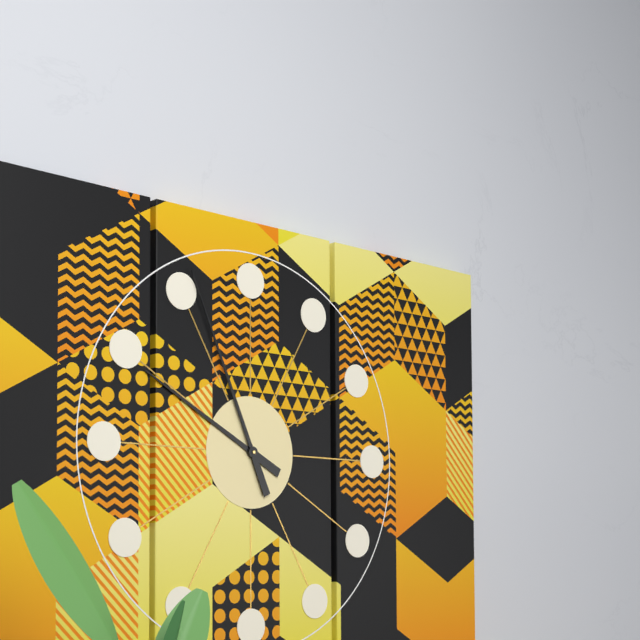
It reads 9h56
